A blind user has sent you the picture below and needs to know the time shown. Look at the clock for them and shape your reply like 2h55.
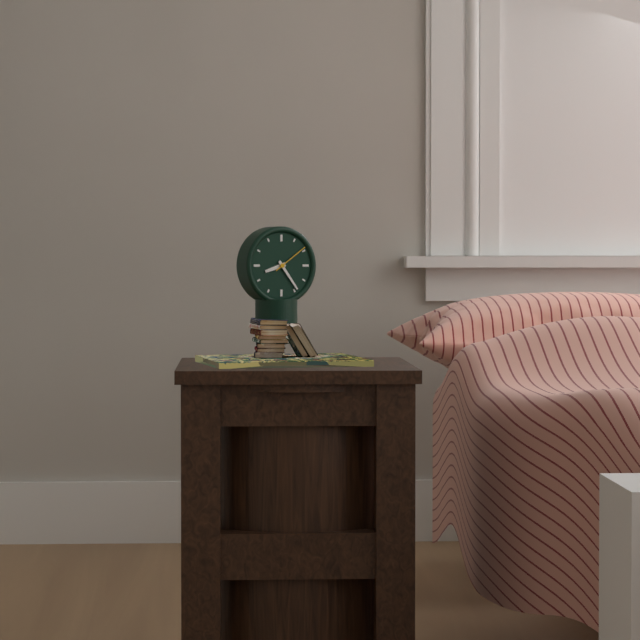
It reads 8h24
